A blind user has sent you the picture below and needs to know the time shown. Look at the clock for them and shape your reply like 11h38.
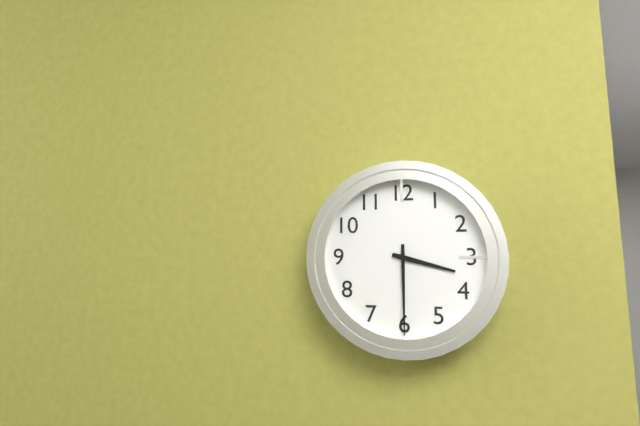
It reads 3h30
